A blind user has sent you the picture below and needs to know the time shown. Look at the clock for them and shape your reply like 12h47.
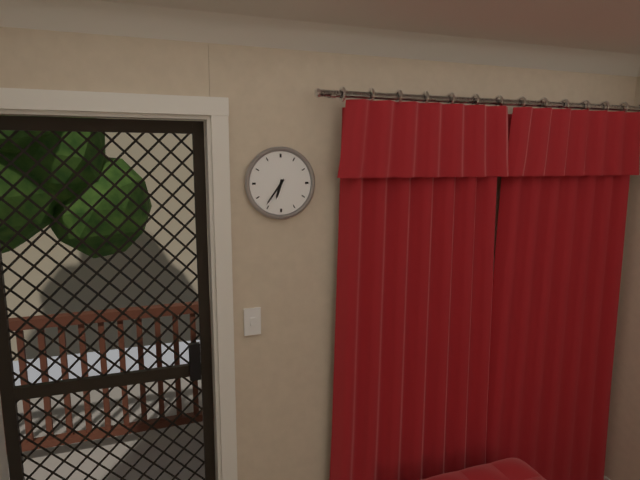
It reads 6h36
